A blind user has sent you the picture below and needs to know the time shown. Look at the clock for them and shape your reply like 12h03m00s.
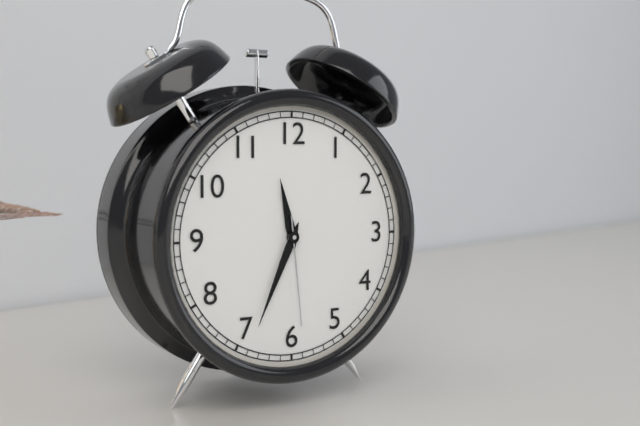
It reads 11h34m29s
